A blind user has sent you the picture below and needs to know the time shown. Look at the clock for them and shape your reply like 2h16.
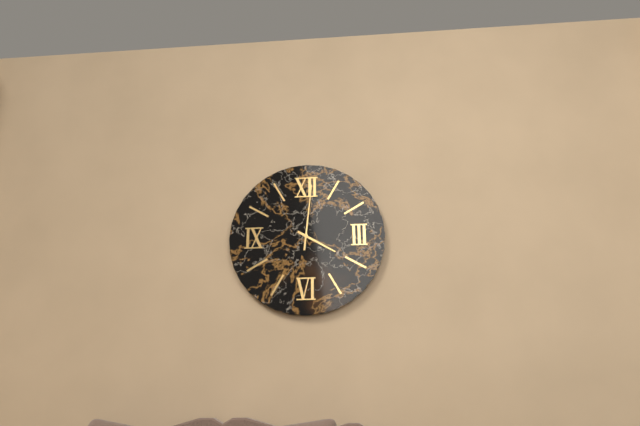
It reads 4h01
